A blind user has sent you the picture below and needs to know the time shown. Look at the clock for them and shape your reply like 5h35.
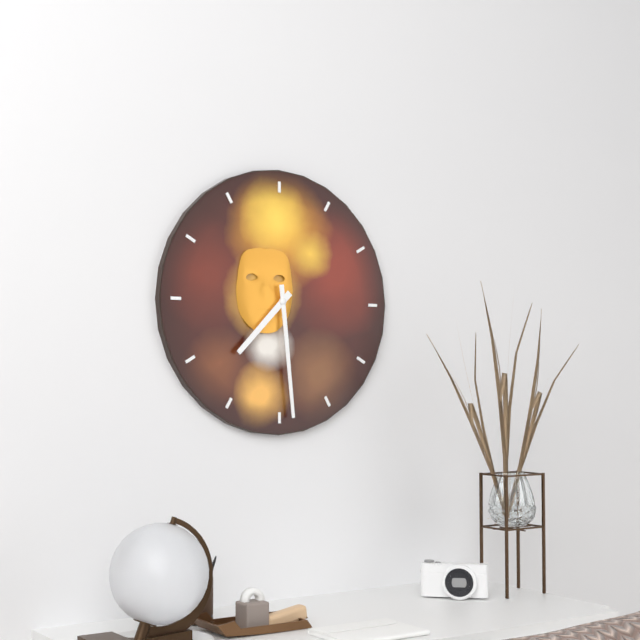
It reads 7h29
